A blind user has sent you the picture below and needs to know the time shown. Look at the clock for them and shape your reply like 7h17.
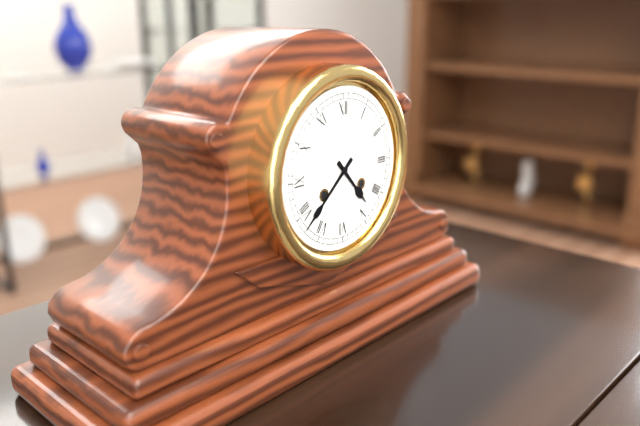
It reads 4h38
